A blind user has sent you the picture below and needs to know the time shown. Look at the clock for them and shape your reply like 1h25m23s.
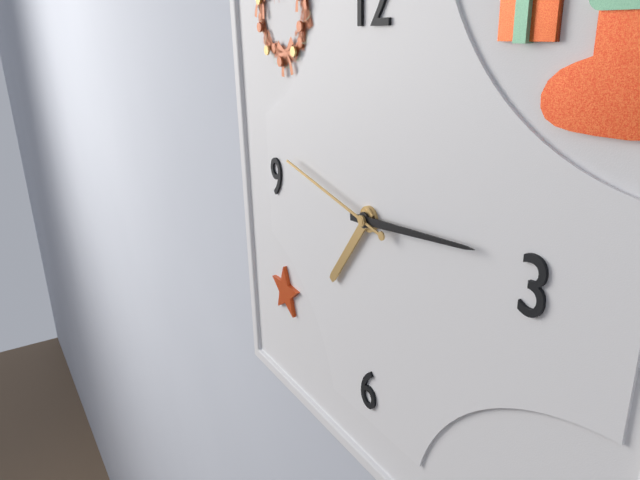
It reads 7h14m47s
